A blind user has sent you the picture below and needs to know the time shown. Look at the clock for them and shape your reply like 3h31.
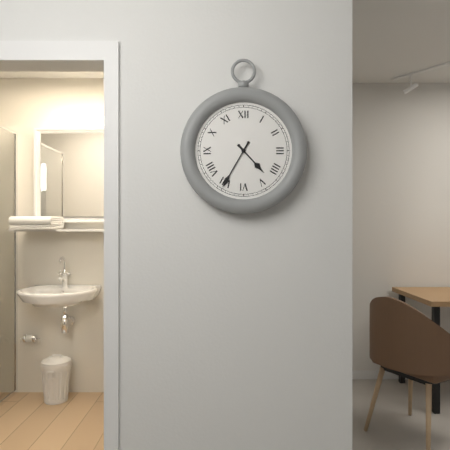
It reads 4h35
